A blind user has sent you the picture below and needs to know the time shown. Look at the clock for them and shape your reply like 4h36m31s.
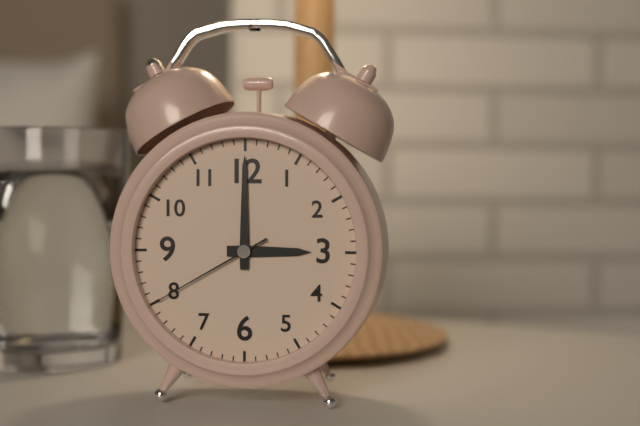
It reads 3h00m40s
